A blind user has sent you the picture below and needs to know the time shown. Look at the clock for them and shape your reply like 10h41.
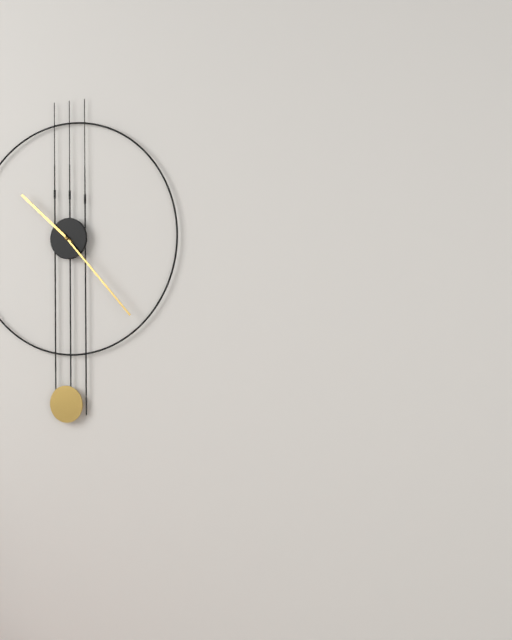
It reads 10h23
